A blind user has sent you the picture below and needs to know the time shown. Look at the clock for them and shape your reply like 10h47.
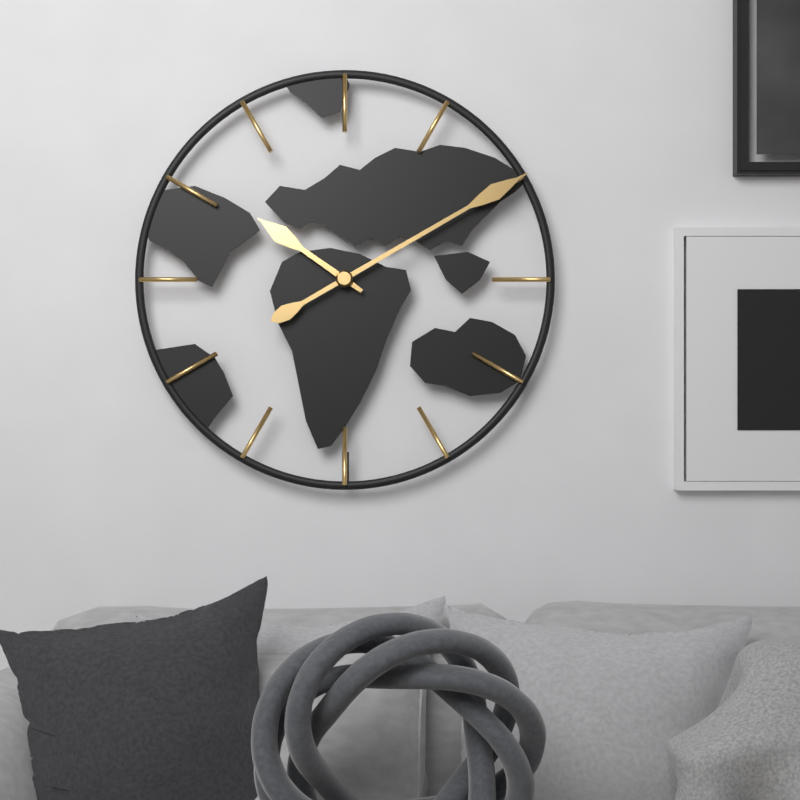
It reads 10h10
